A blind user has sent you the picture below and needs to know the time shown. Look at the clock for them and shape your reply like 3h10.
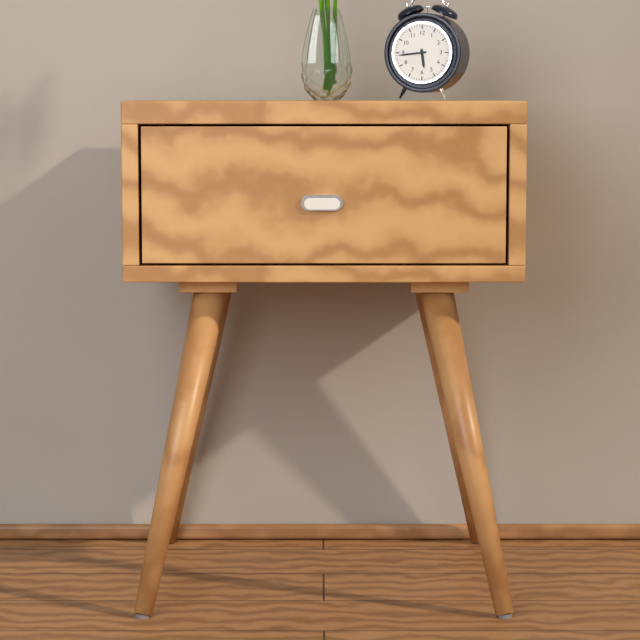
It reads 5h44
